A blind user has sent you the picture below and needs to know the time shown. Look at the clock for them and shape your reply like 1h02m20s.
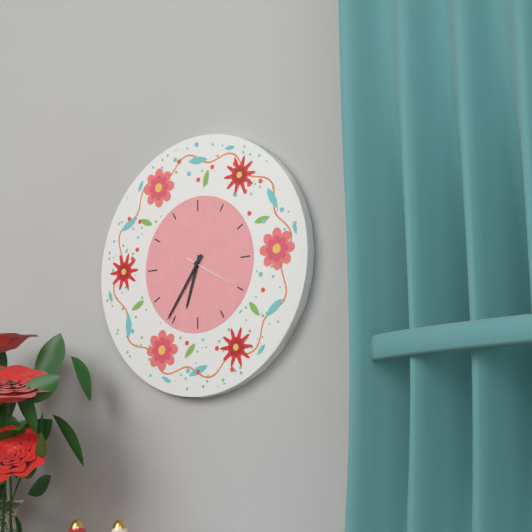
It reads 6h36m20s
